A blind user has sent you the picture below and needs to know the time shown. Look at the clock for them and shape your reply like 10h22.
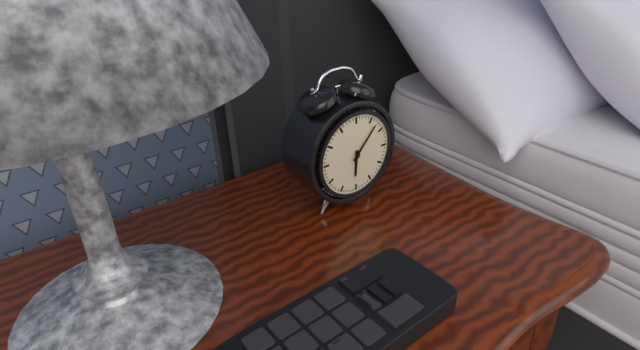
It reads 6h07
